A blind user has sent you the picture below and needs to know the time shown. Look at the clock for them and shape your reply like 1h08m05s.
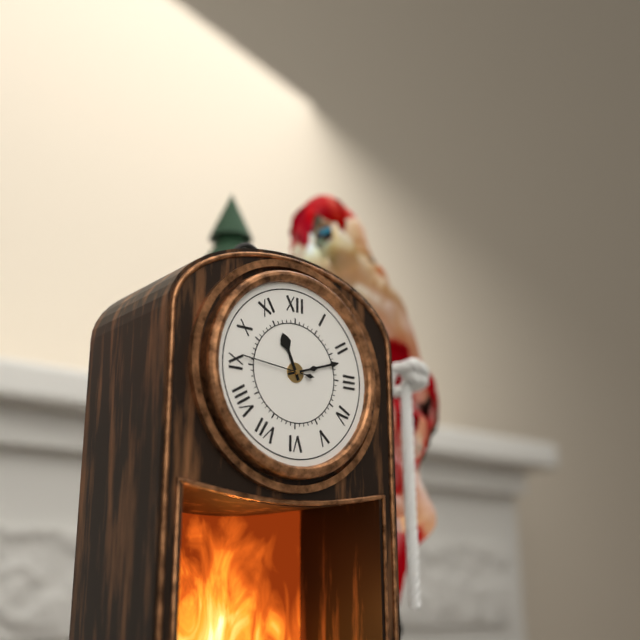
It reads 11h12m46s
